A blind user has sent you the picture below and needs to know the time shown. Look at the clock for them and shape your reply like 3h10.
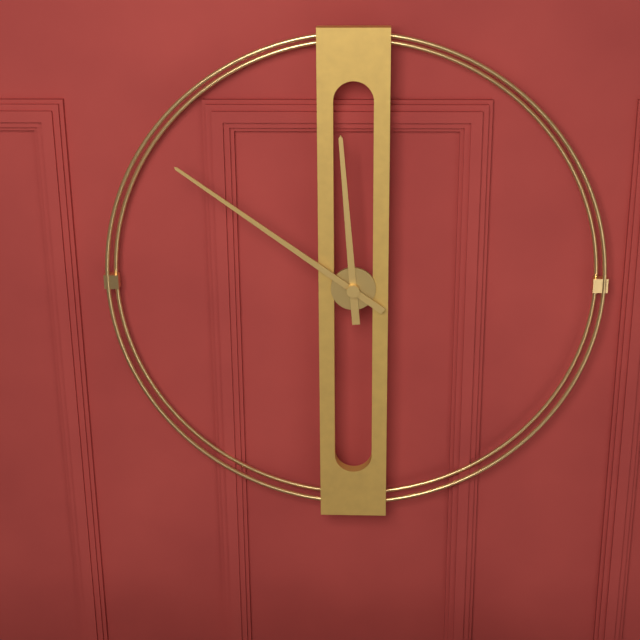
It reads 11h51
